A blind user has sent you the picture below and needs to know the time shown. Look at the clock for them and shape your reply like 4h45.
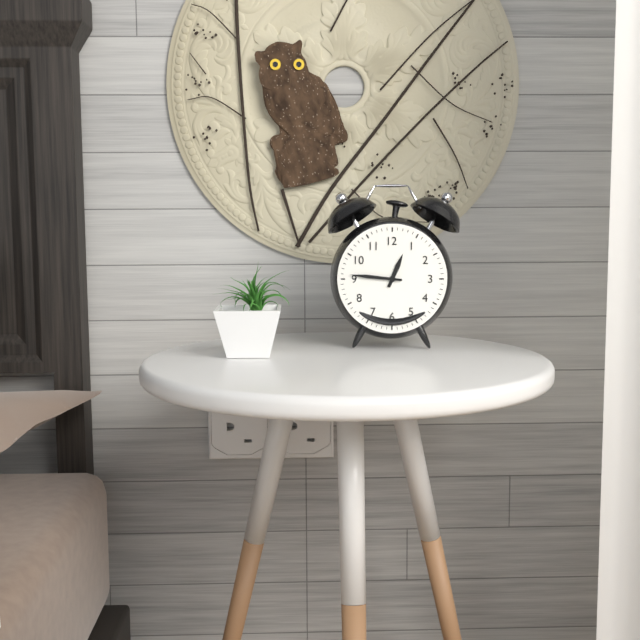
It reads 12h46
